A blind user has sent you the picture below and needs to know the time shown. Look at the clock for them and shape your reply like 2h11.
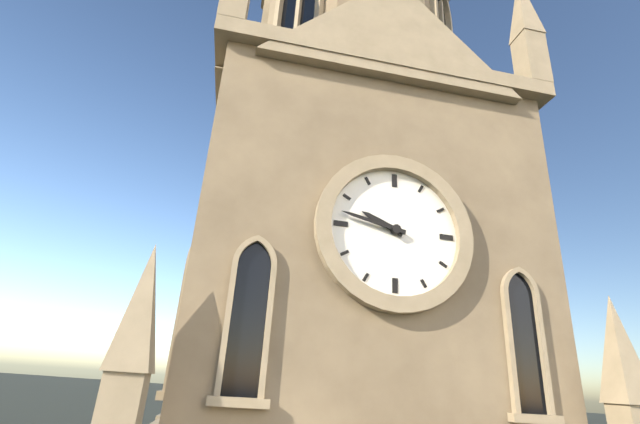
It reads 9h47
